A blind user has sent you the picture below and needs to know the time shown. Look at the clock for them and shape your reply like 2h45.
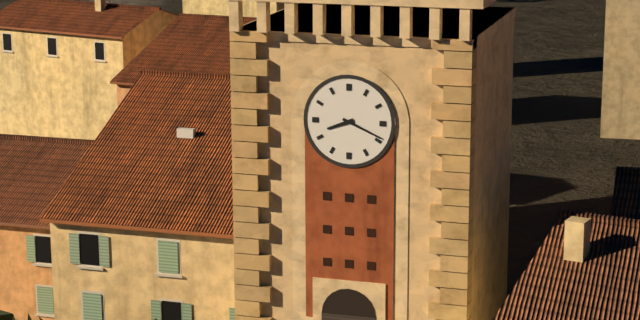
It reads 8h19
